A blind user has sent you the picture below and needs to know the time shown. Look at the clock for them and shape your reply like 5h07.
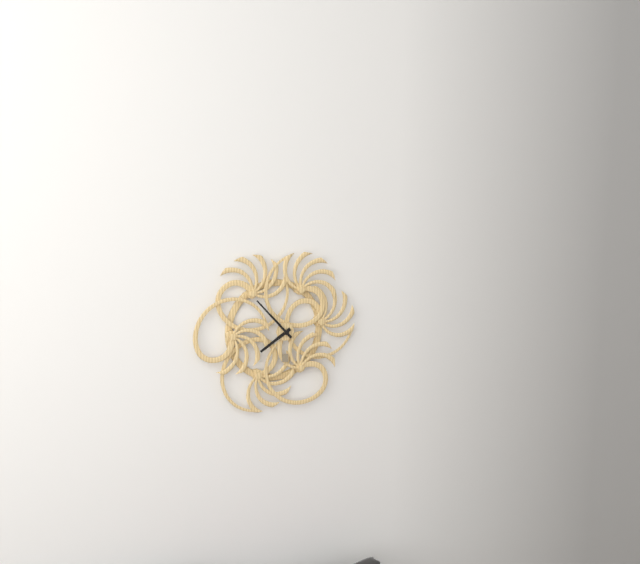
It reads 7h53
